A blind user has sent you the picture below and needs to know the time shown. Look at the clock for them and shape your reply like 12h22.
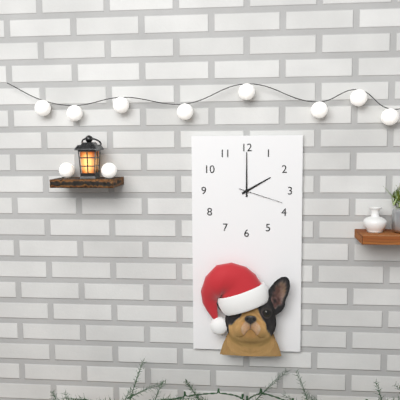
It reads 2h00
